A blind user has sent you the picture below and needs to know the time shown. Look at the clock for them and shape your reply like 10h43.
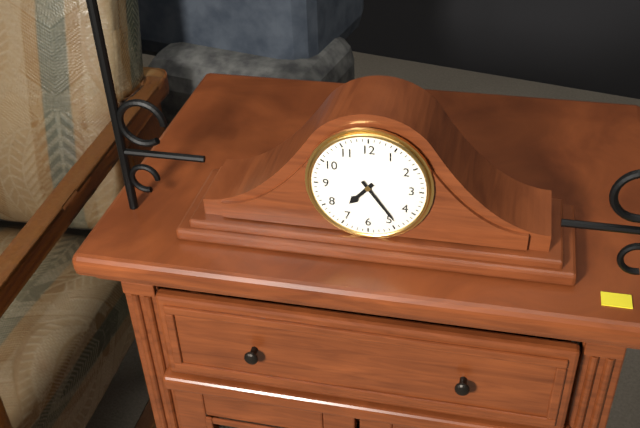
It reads 7h24
